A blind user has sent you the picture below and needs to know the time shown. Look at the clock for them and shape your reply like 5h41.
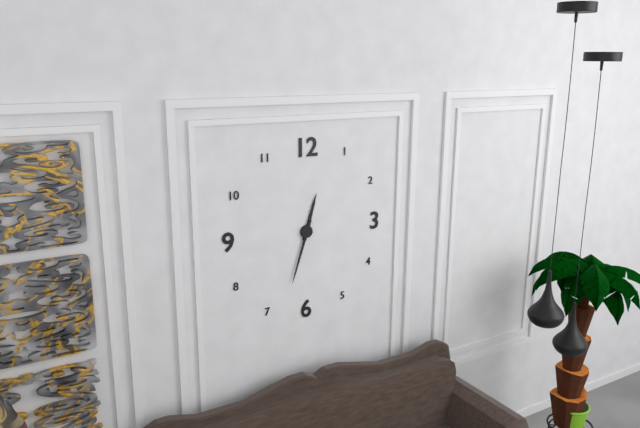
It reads 12h33
